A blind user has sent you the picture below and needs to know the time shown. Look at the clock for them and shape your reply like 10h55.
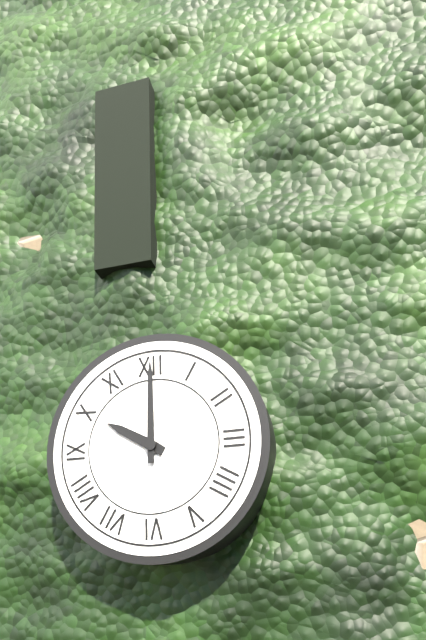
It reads 10h00
